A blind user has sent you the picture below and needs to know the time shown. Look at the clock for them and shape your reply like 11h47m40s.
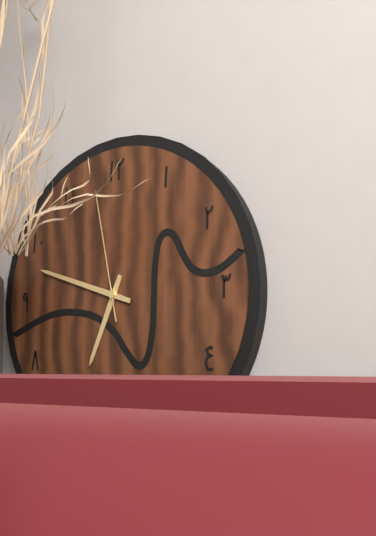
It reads 6h48m58s
